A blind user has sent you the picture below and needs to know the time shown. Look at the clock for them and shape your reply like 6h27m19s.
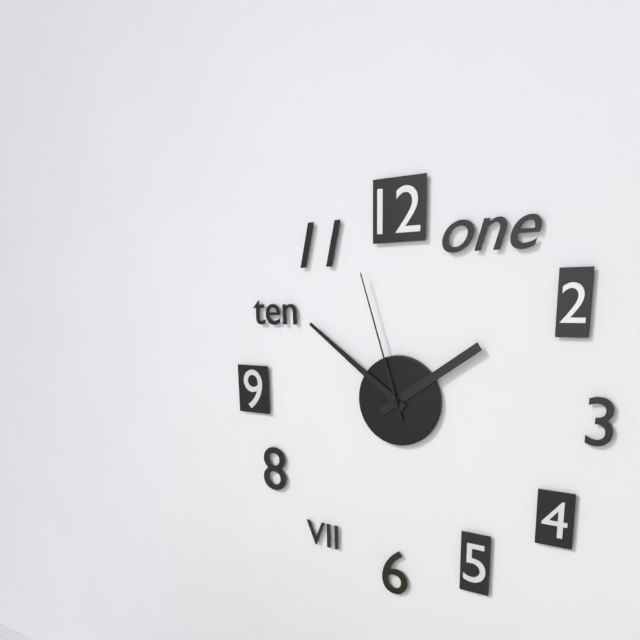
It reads 1h51m57s
